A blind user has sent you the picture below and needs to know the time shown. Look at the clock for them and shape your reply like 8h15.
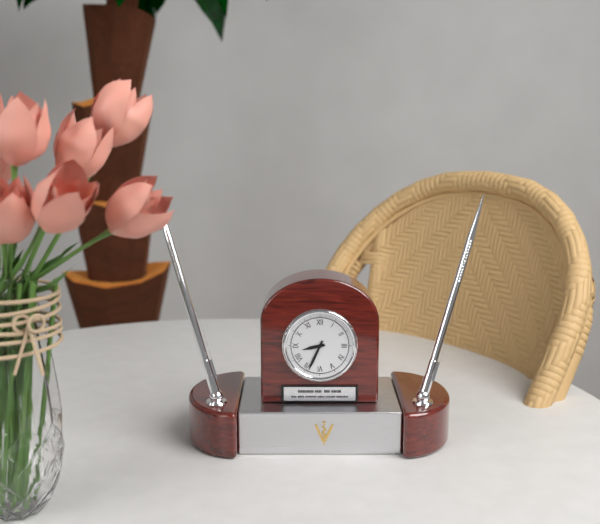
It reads 8h34
